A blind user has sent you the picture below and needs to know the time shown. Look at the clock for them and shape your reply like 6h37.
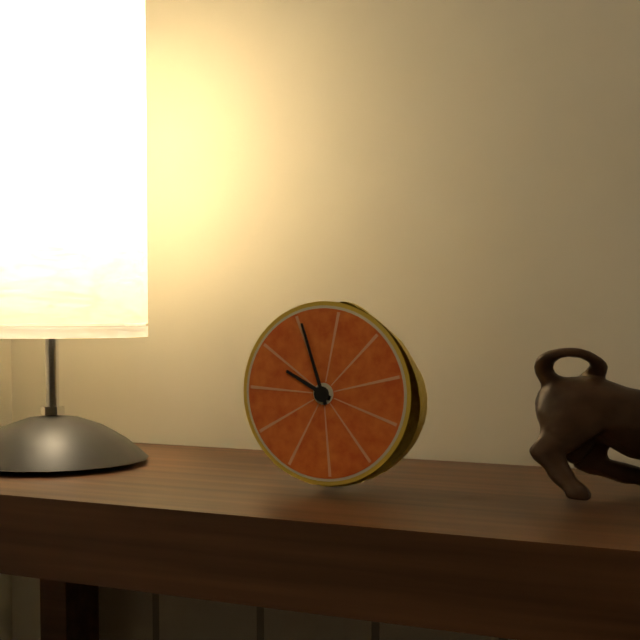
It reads 9h57
